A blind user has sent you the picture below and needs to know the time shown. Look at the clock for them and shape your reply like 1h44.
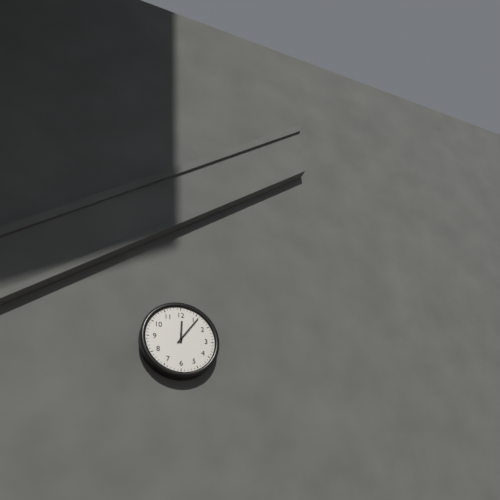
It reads 12h06
